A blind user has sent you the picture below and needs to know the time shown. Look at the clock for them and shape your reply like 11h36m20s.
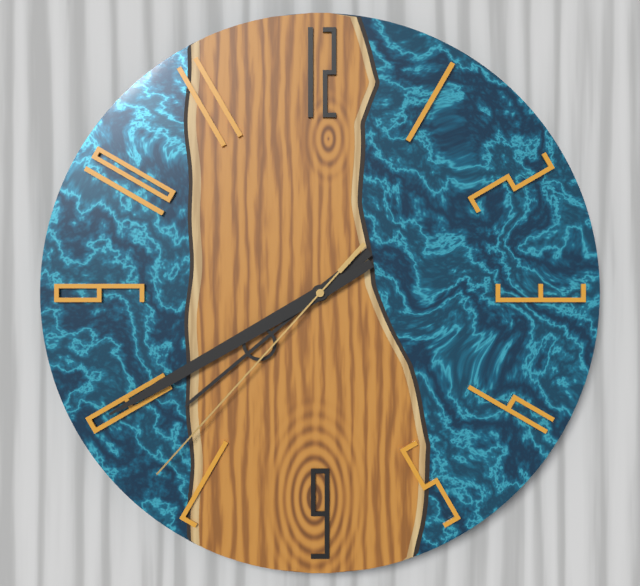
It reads 7h40m37s
